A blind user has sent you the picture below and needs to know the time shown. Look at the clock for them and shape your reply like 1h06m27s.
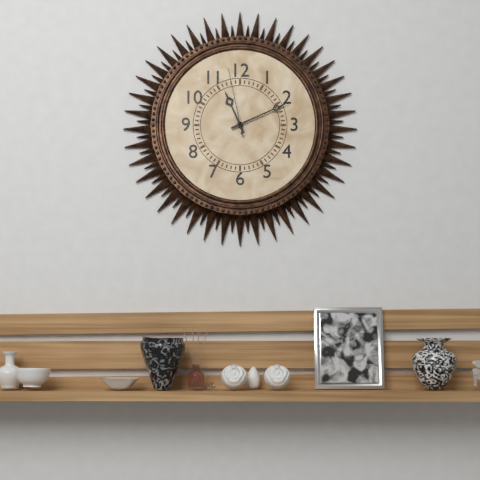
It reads 11h11m58s
